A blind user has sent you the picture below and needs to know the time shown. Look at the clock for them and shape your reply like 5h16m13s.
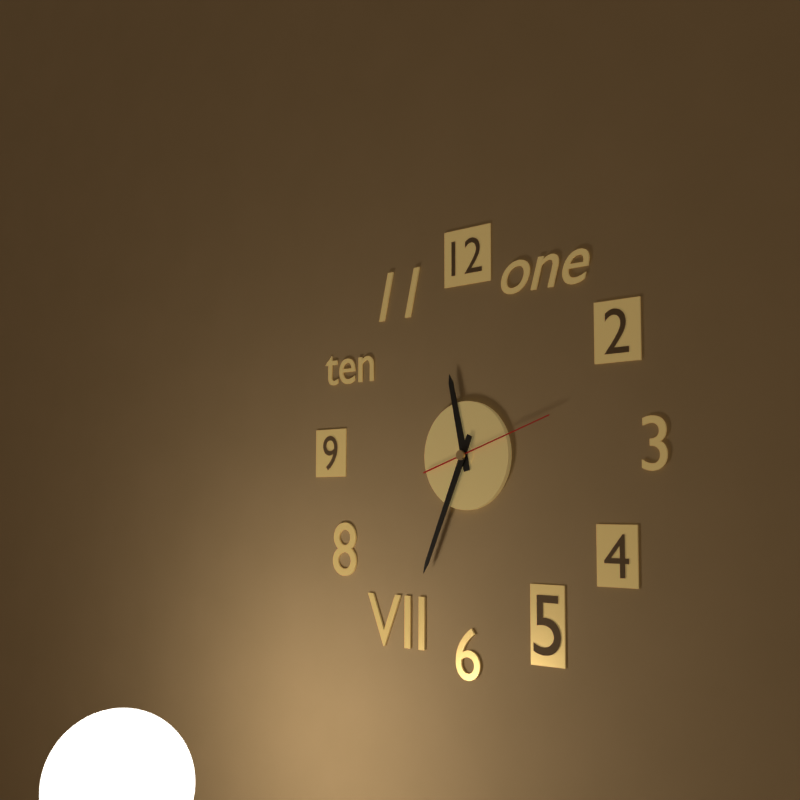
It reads 11h34m12s
